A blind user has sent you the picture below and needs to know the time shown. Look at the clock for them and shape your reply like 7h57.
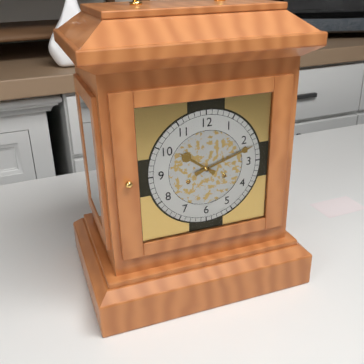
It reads 10h12
